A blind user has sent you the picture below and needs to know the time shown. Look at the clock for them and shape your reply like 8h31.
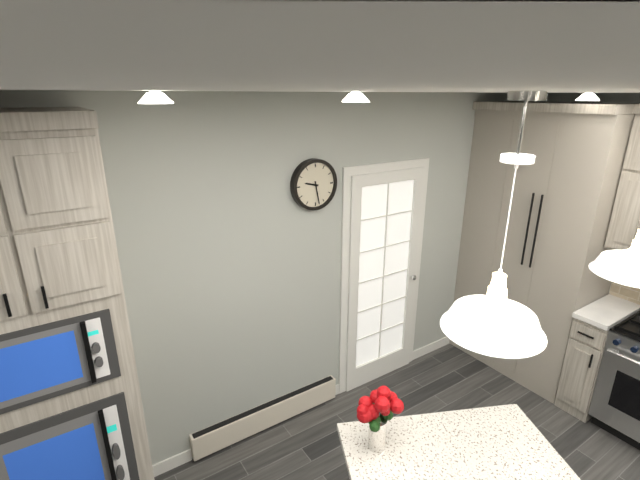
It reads 9h28
